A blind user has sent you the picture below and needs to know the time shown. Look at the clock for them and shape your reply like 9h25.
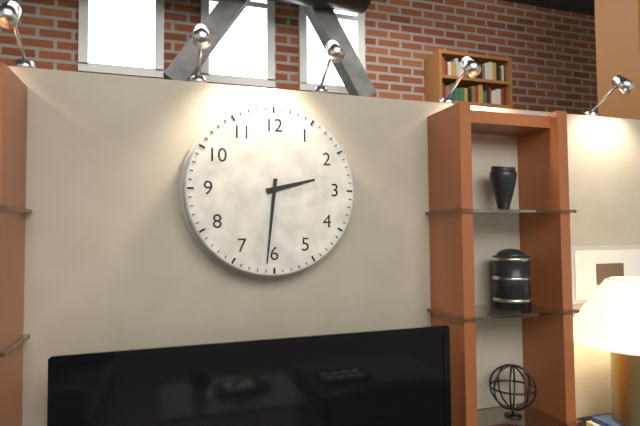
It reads 2h31
